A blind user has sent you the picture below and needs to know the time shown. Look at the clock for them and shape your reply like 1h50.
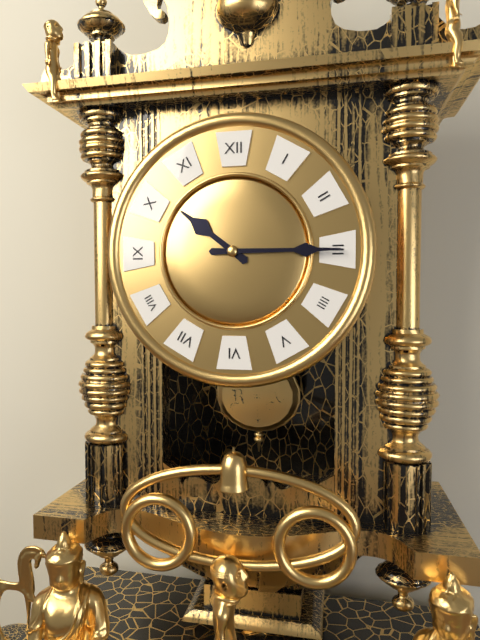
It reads 10h15
